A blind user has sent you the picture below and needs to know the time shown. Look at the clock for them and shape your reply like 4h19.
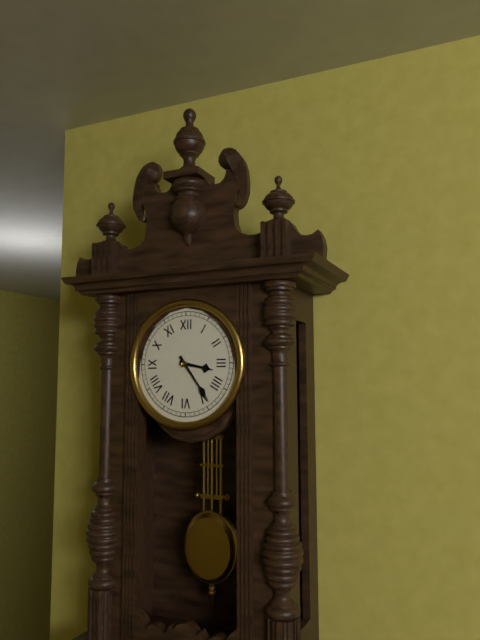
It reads 3h24
